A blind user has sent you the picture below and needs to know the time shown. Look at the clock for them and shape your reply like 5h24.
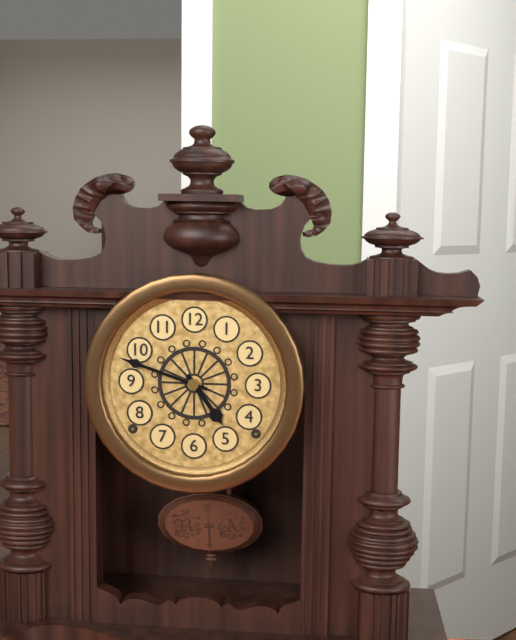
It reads 4h48
